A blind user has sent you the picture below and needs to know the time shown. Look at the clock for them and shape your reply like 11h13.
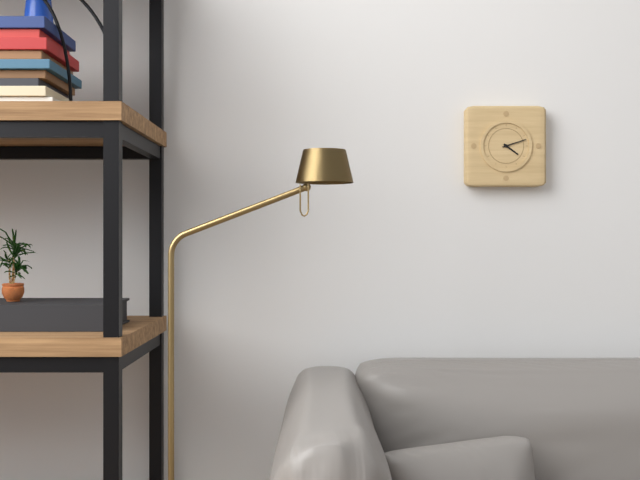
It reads 4h12
